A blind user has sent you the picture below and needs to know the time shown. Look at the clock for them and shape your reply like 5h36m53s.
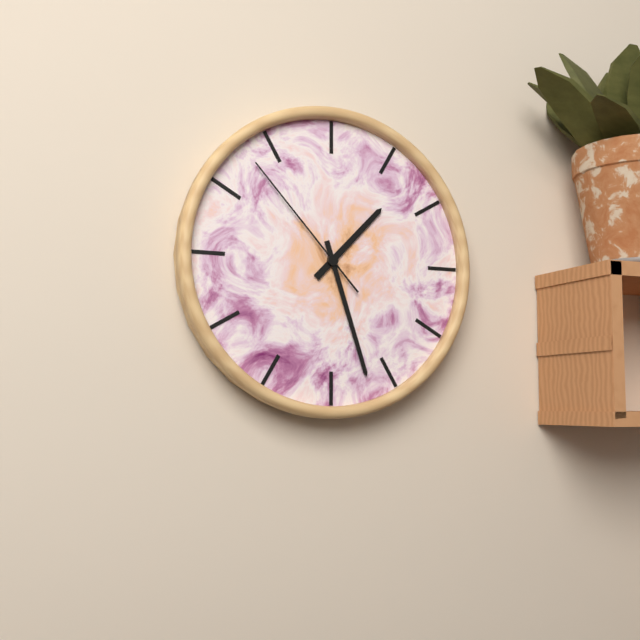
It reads 1h27m53s
